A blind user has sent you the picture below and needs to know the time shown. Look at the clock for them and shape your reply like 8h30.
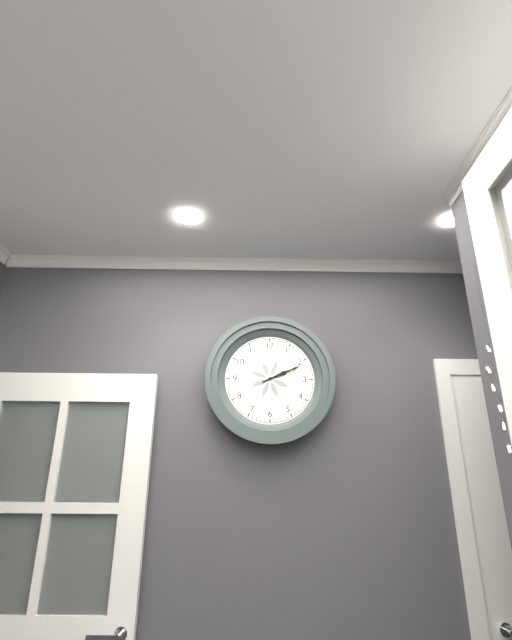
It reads 2h11
